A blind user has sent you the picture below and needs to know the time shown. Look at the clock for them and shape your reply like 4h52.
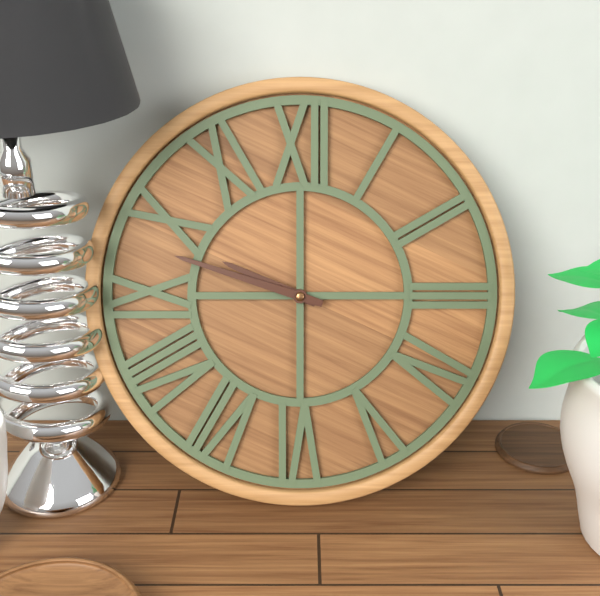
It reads 9h48
